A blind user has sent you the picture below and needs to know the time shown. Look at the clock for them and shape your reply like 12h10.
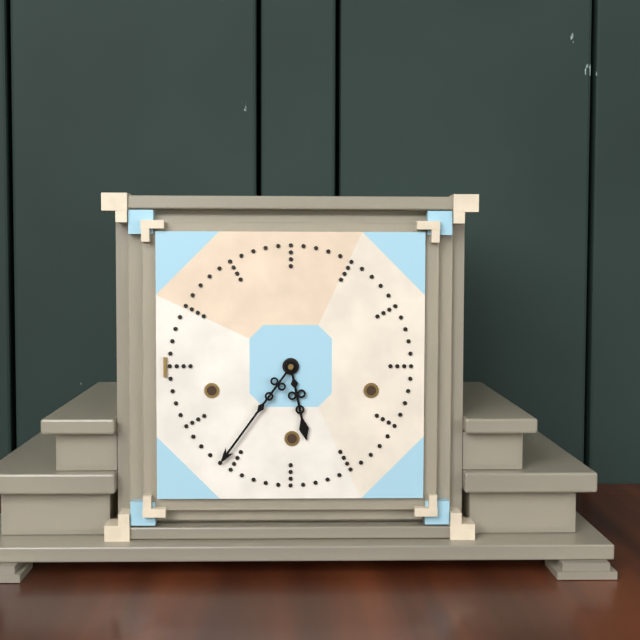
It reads 5h36
